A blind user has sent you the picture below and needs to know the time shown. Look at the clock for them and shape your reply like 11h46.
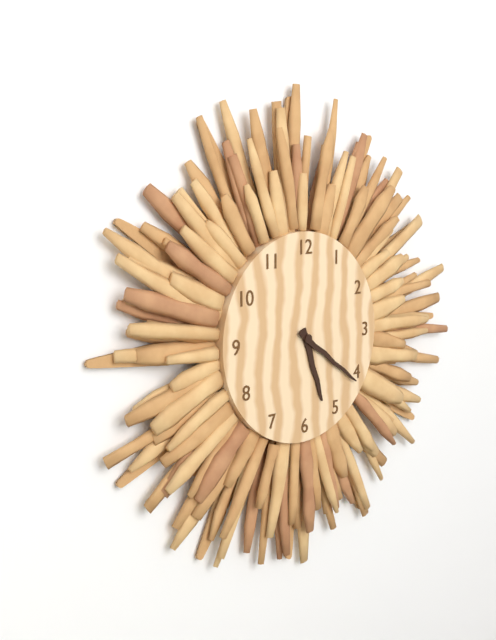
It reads 5h21
